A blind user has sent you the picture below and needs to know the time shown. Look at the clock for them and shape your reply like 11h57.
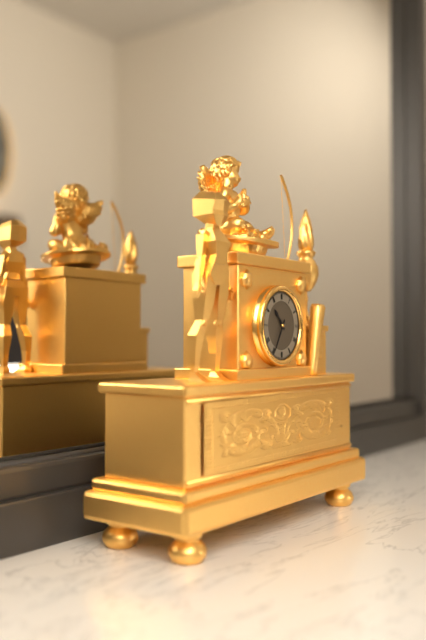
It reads 10h35
